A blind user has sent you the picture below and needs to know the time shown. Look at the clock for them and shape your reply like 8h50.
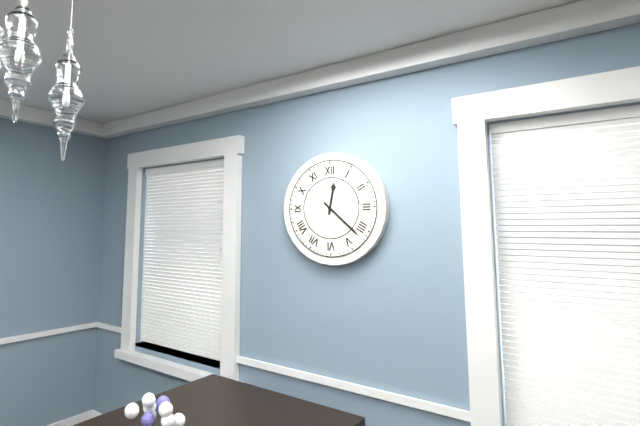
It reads 12h22
